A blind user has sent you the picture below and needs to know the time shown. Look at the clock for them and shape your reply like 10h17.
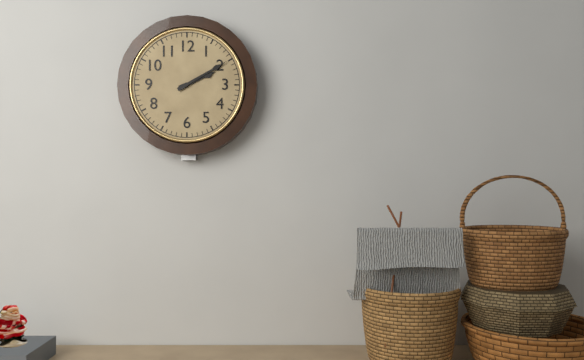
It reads 2h10
